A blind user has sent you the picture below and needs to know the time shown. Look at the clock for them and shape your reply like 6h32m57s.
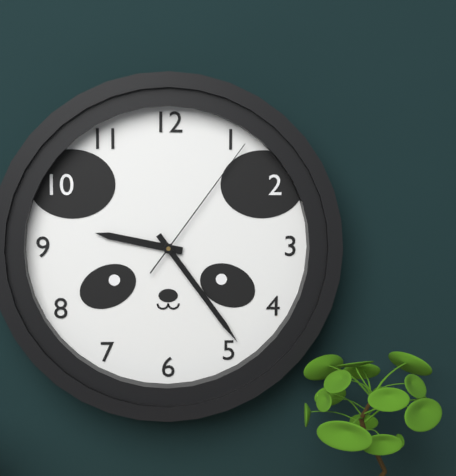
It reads 9h24m06s
